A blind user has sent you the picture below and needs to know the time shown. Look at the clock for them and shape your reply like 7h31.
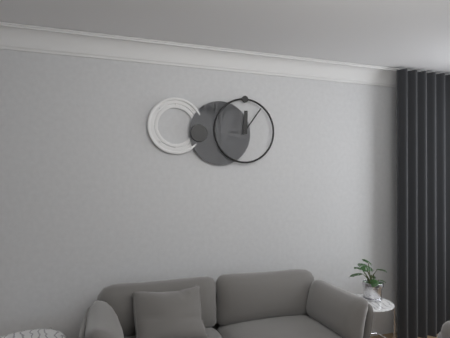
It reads 12h06
